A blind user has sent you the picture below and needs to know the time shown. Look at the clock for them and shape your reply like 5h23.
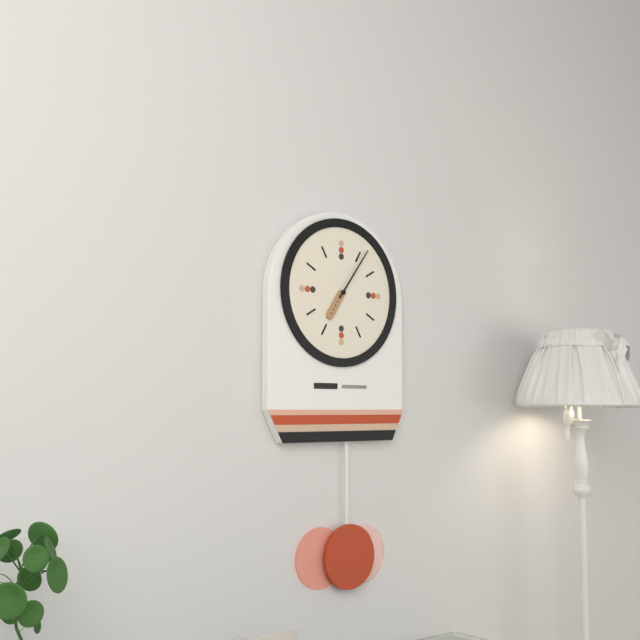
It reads 7h06
